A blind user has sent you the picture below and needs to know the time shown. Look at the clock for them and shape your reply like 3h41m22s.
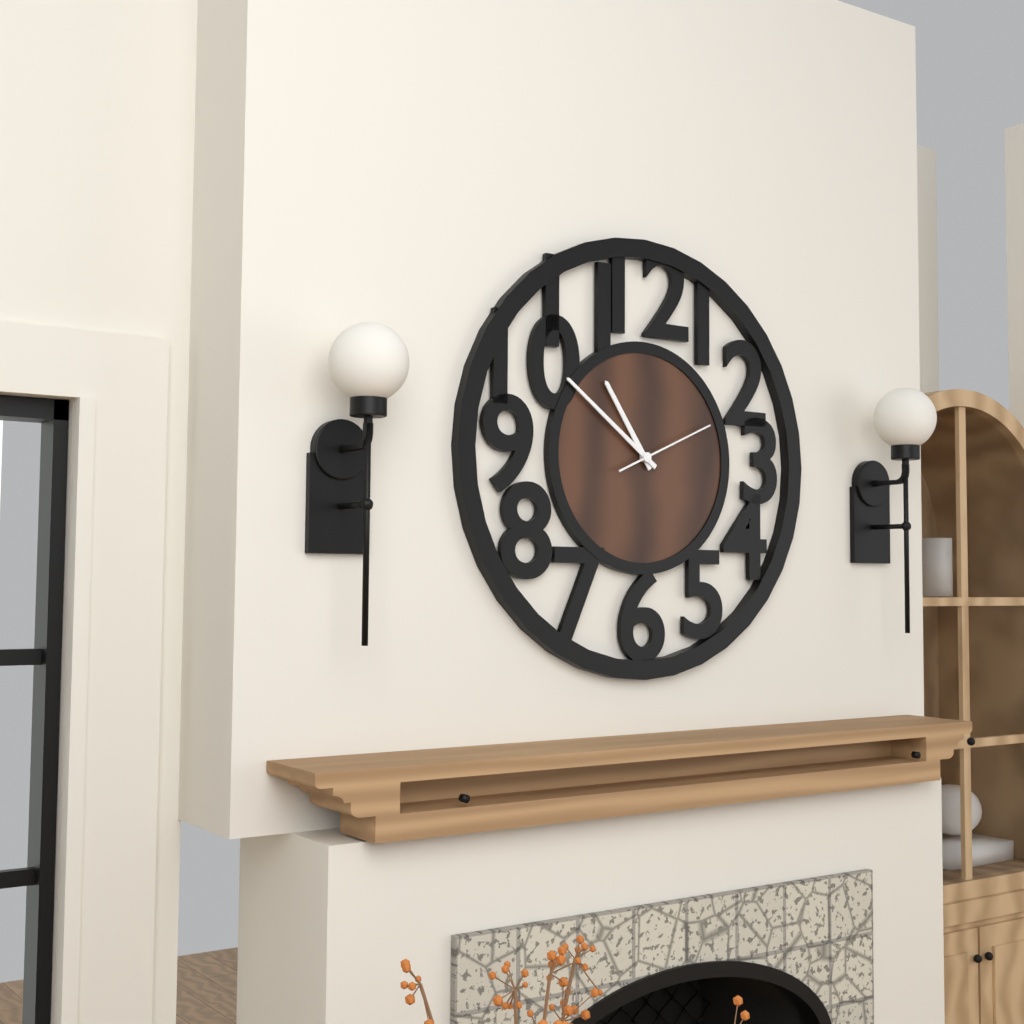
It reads 10h51m11s
